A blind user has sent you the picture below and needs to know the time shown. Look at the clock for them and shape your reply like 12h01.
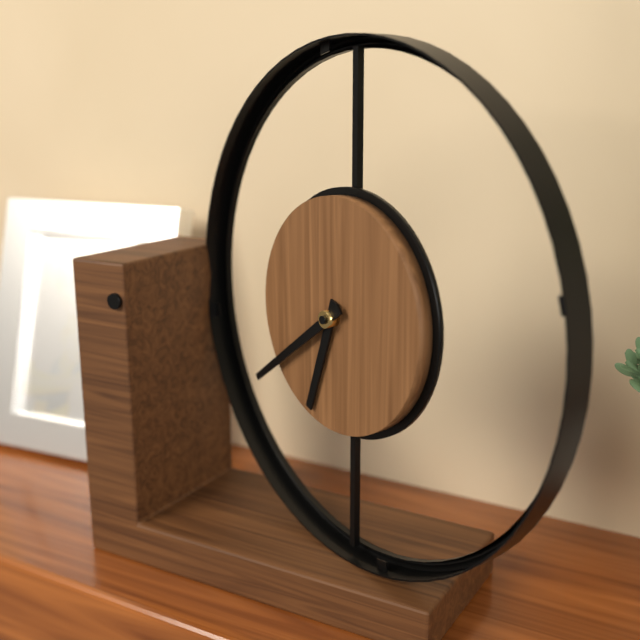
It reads 6h39
